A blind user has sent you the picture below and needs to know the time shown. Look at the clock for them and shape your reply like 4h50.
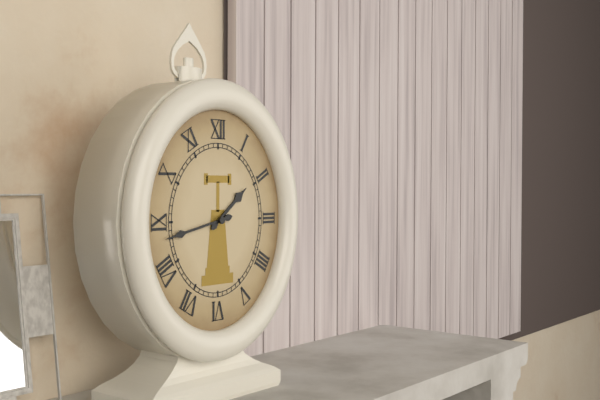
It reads 1h43
